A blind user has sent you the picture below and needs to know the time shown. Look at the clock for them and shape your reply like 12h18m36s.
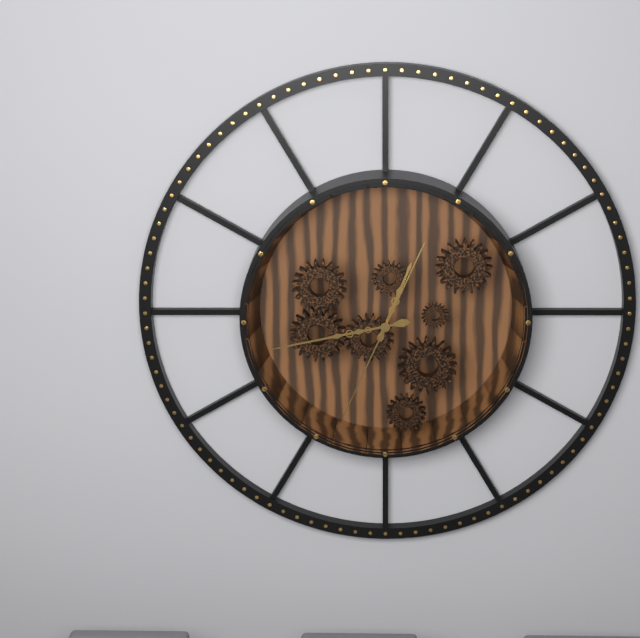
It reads 12h43m34s
